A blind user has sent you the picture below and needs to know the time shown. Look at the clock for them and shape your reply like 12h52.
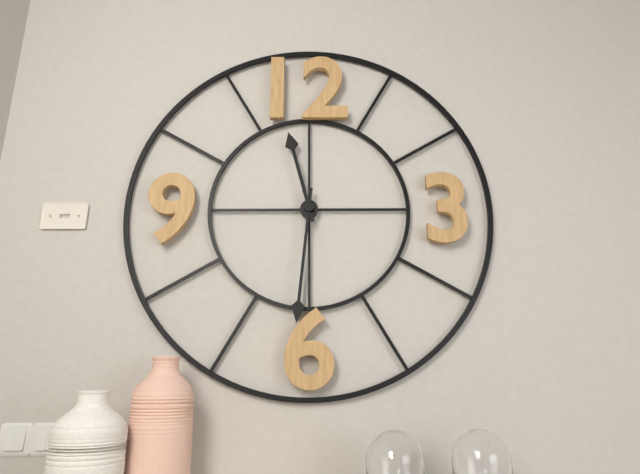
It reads 11h31
